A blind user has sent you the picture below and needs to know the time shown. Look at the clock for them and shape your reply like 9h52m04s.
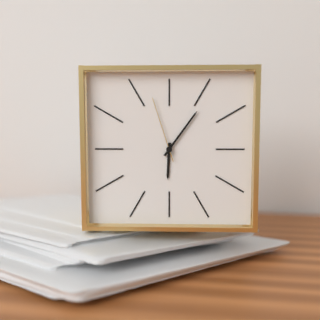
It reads 6h06m57s
